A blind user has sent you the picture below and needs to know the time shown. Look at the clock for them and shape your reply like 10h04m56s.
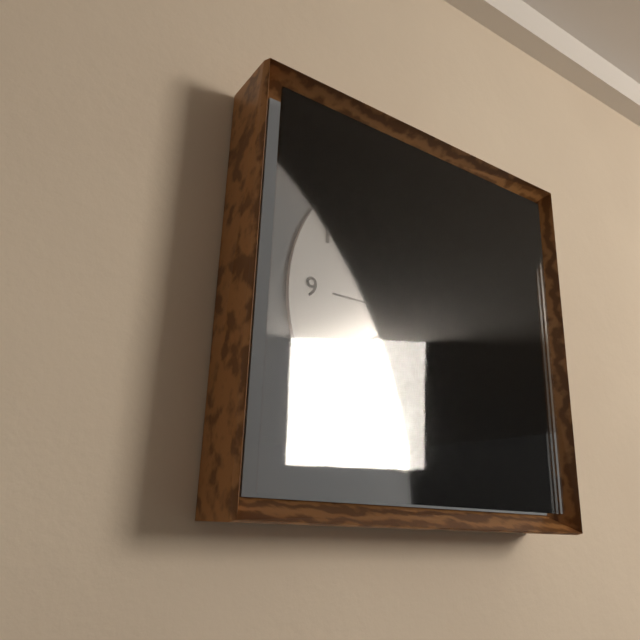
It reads 11h40m33s
